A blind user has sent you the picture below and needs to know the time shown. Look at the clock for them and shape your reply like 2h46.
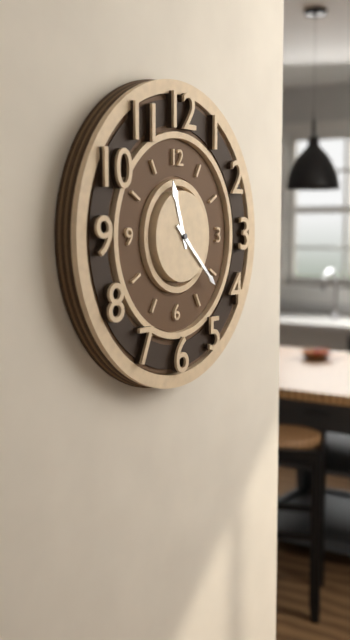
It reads 11h22
